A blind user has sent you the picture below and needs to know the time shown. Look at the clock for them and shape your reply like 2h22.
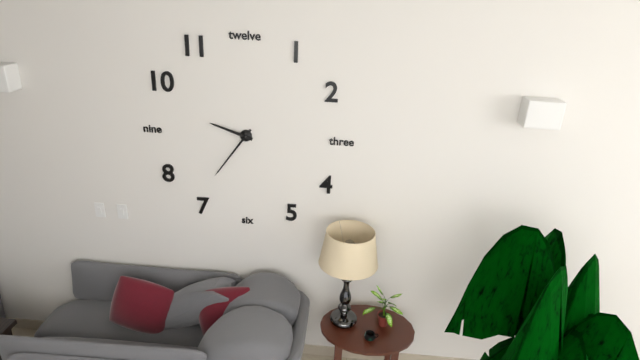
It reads 9h36
